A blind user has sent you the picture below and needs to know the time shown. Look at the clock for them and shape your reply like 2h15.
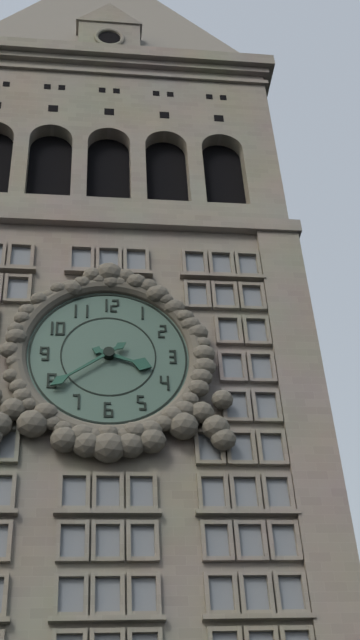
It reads 3h39
